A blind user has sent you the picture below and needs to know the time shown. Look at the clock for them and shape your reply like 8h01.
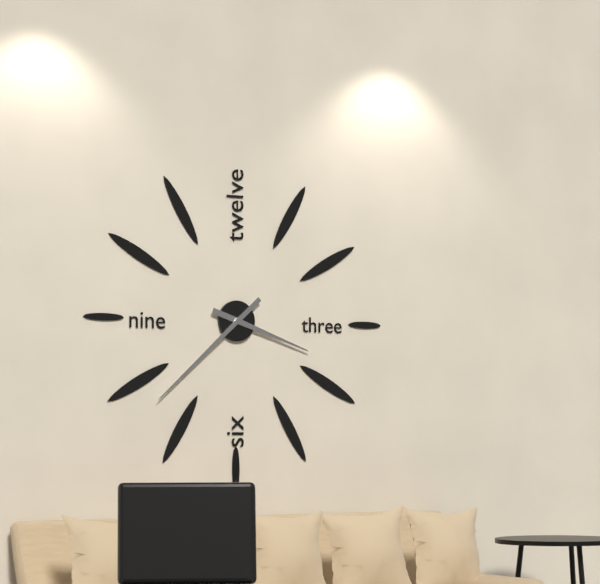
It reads 3h38
